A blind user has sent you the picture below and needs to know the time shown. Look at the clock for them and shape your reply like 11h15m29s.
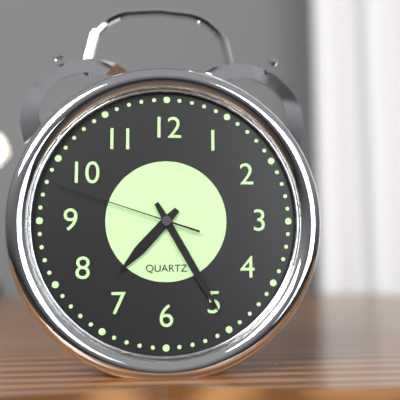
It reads 7h25m48s
